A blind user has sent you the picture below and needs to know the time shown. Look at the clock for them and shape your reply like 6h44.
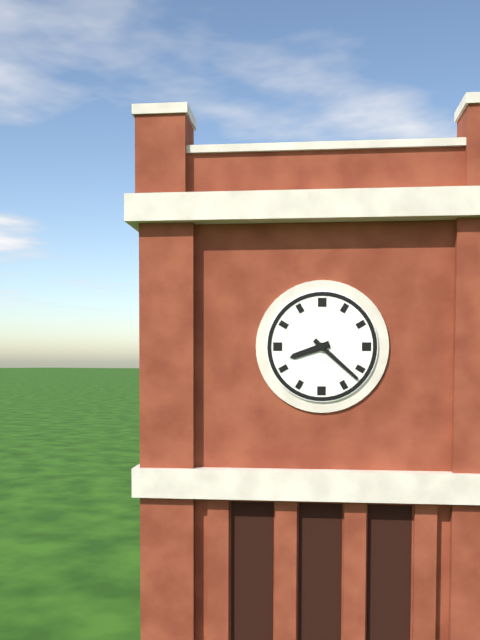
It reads 8h22
